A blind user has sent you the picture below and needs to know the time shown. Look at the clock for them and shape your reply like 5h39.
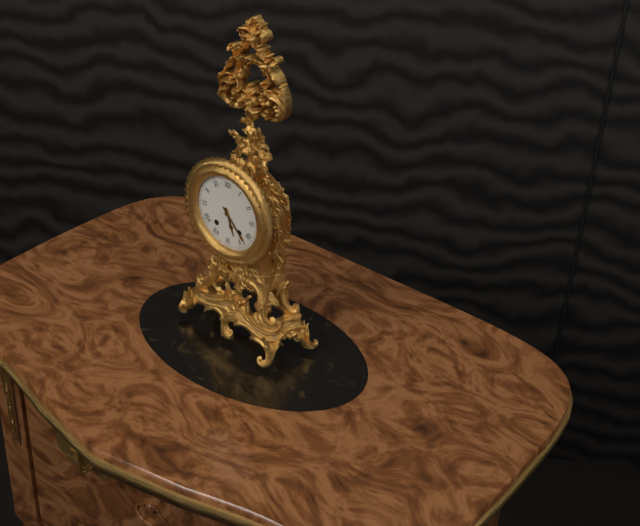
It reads 5h23
